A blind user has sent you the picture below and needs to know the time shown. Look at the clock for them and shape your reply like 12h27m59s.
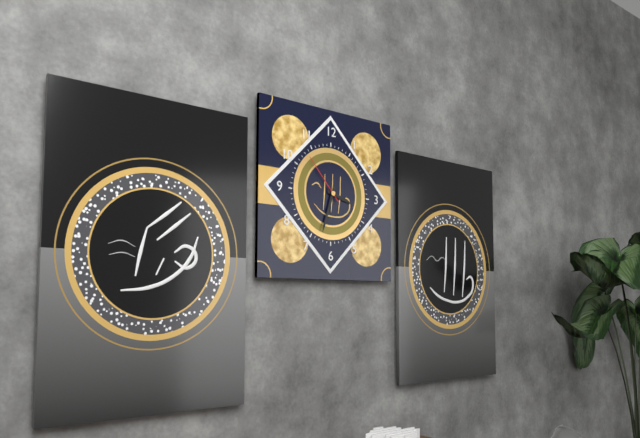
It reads 3h33m53s
